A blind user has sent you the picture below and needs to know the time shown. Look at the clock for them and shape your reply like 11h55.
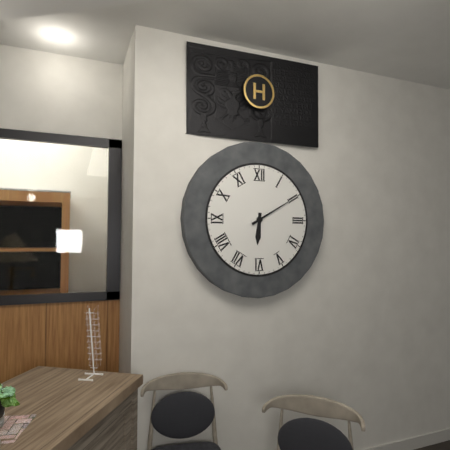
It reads 6h10
